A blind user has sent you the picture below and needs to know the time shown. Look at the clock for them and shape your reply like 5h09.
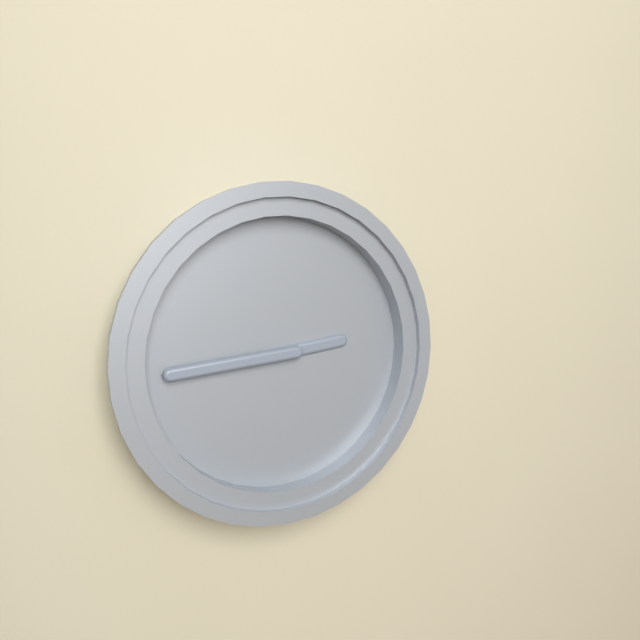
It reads 2h44
